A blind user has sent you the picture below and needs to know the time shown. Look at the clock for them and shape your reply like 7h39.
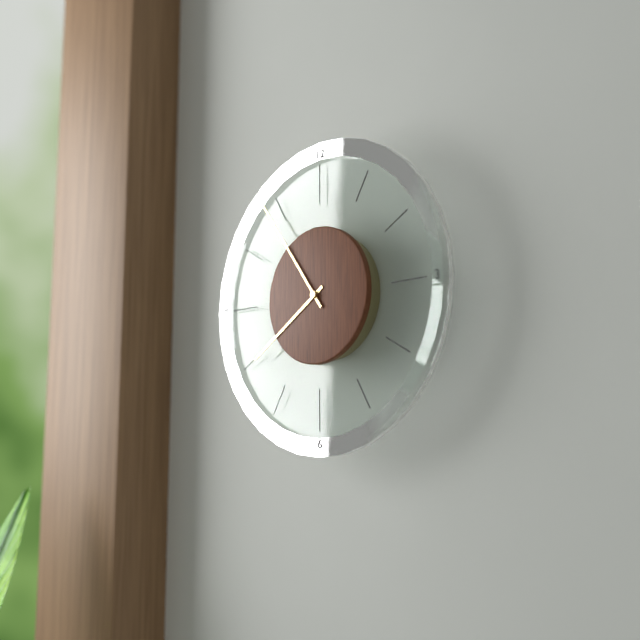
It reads 7h54
